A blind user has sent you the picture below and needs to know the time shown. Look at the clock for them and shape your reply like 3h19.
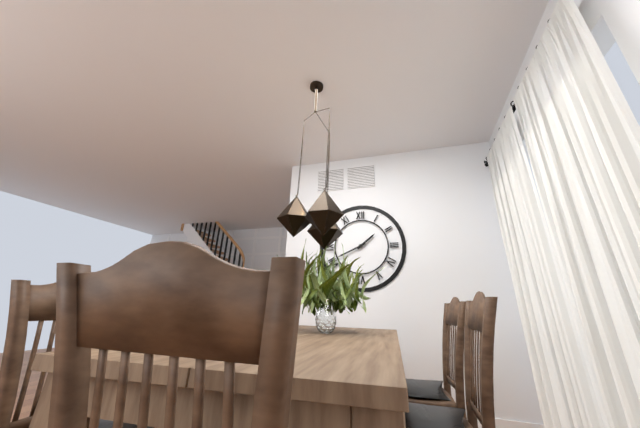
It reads 1h41
